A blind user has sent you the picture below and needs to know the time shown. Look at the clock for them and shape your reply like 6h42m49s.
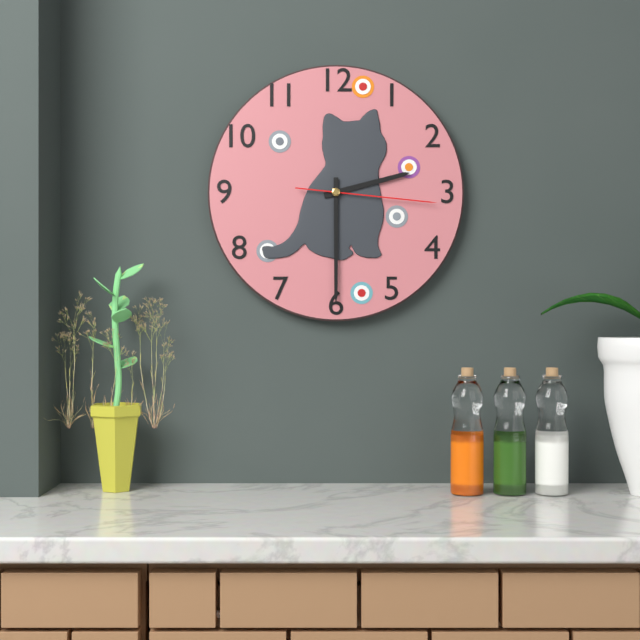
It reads 2h30m16s
